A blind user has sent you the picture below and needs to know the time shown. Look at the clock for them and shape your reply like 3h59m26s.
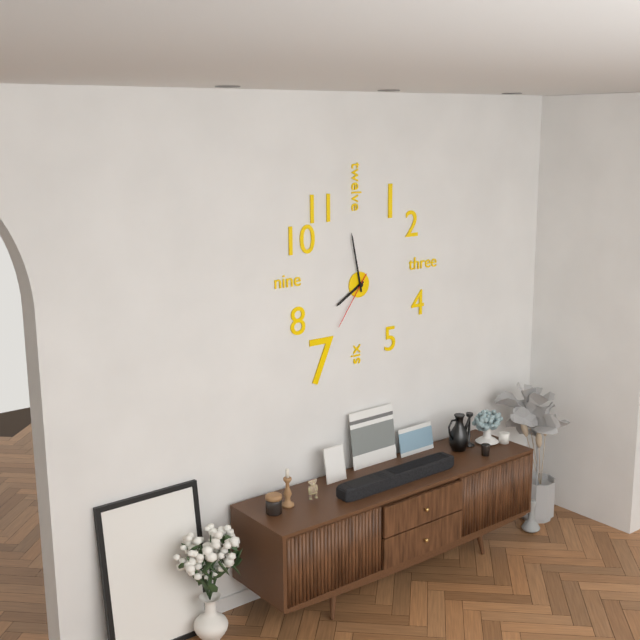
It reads 7h58m36s
